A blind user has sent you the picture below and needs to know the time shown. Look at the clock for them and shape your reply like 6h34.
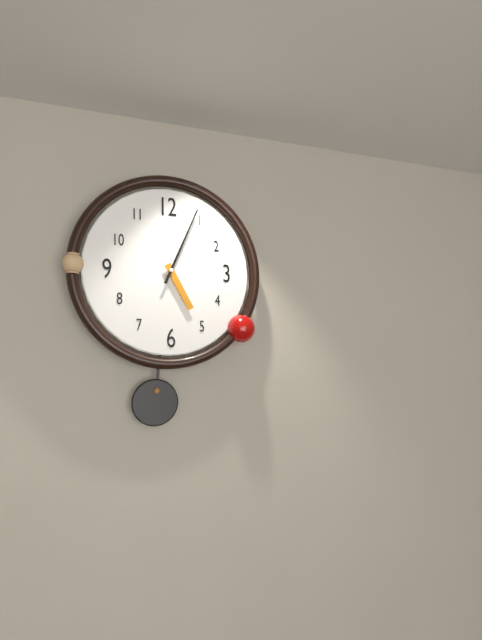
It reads 5h04
